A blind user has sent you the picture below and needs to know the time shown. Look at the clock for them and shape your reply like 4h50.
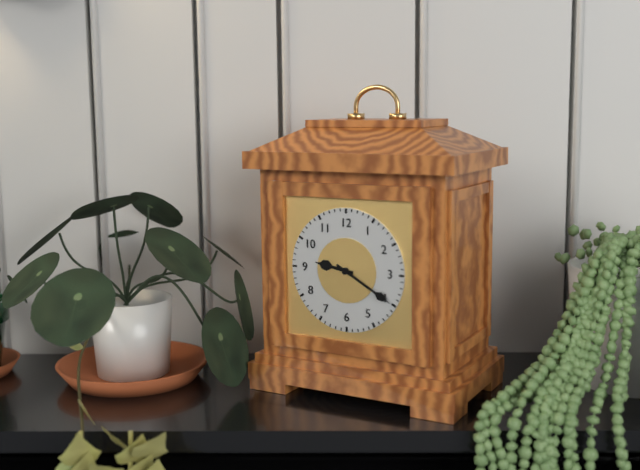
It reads 9h20
